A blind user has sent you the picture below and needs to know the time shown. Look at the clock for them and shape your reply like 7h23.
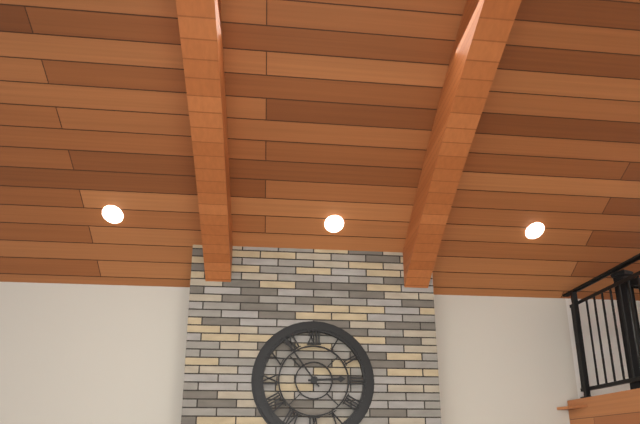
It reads 2h54
